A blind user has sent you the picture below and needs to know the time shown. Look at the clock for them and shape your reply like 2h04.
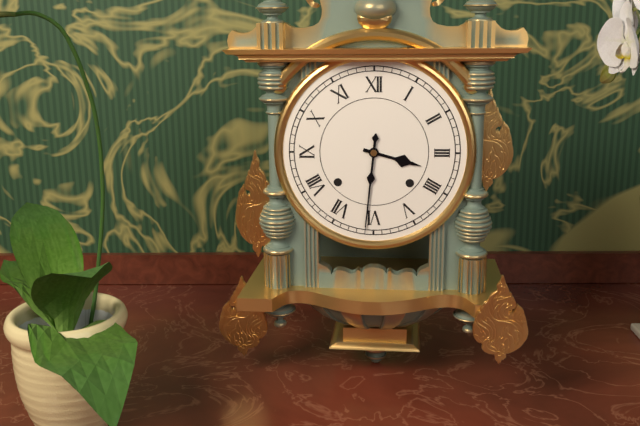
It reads 3h31
